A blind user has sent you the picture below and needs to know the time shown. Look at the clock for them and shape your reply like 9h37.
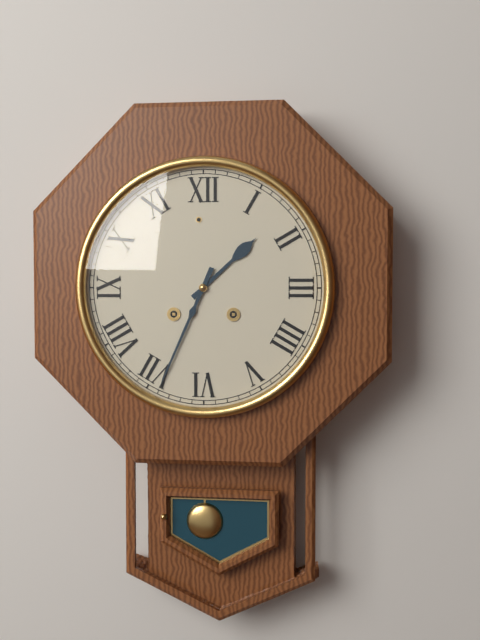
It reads 1h34
